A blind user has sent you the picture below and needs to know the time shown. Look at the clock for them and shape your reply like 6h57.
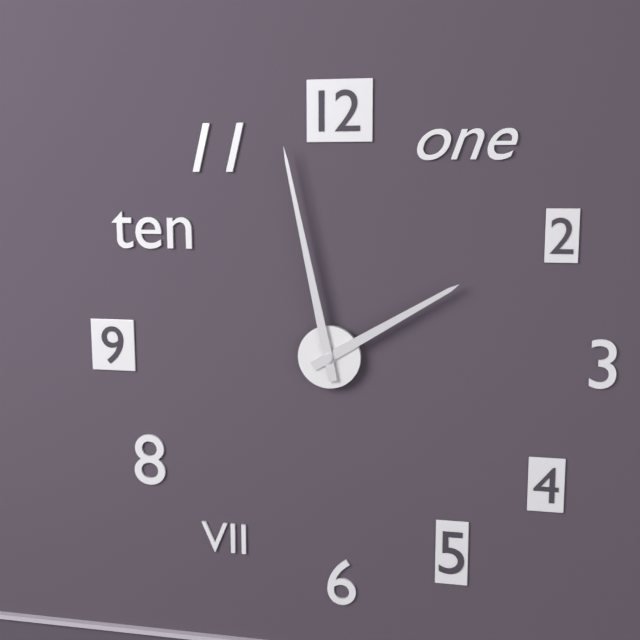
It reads 1h58
